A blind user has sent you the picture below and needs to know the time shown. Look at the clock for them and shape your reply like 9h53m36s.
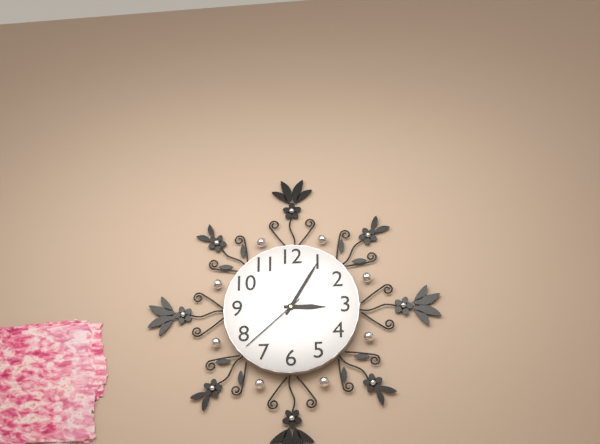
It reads 3h05m38s
